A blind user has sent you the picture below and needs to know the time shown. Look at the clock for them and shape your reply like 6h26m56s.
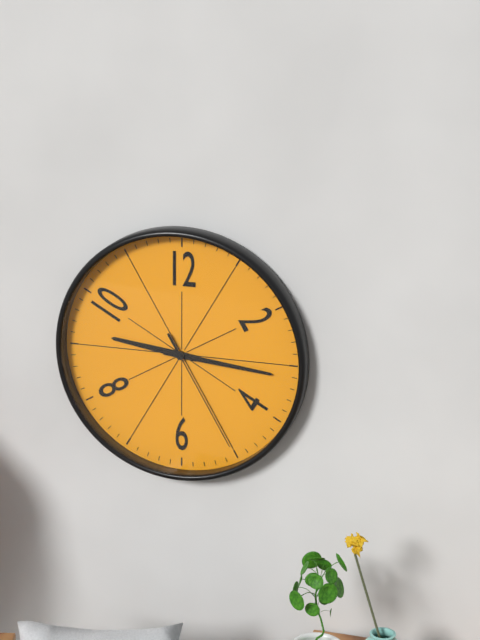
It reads 9h16m25s
